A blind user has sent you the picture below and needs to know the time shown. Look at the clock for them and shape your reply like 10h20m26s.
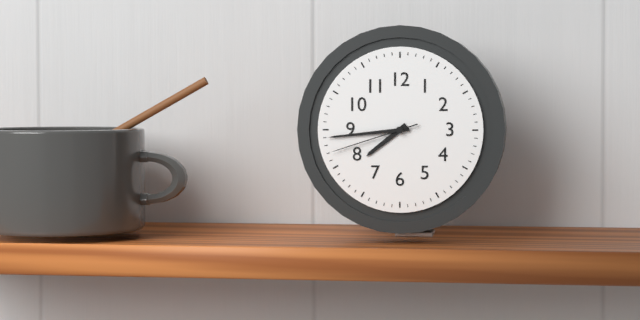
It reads 7h44m42s
